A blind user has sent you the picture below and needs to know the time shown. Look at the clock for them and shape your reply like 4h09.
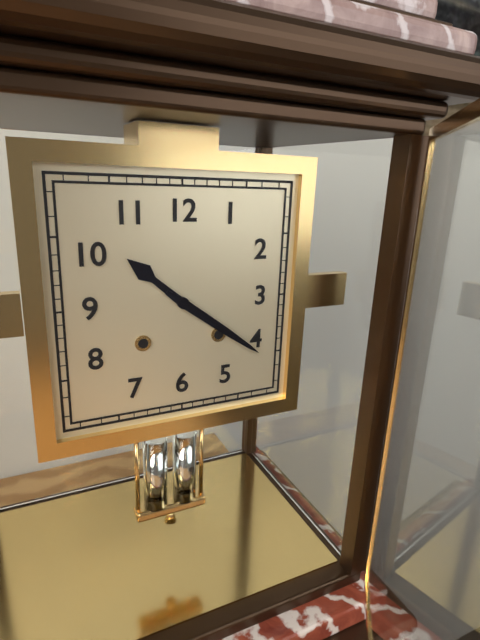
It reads 10h21
